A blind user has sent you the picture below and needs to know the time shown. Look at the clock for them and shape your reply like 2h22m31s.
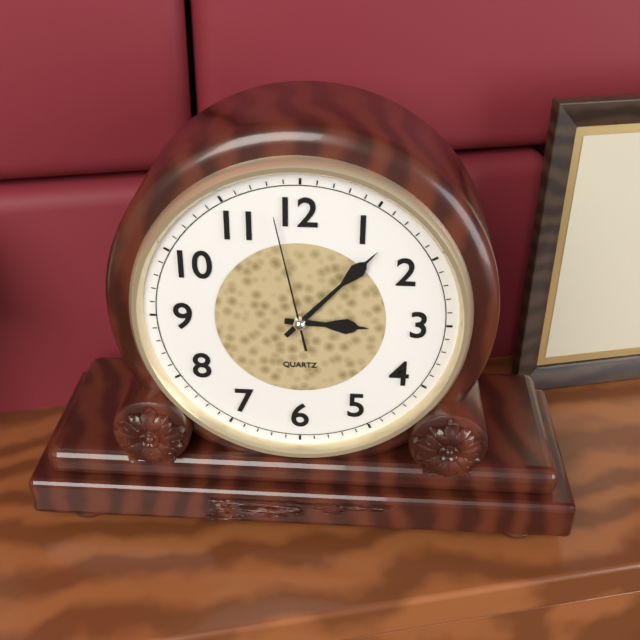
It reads 3h07m58s
